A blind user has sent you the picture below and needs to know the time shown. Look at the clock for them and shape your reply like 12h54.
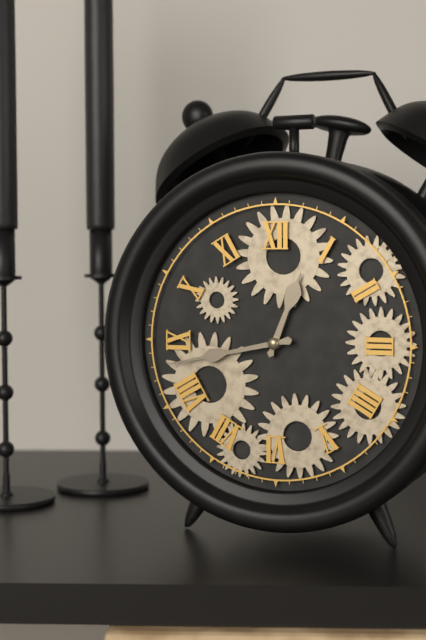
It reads 12h43
